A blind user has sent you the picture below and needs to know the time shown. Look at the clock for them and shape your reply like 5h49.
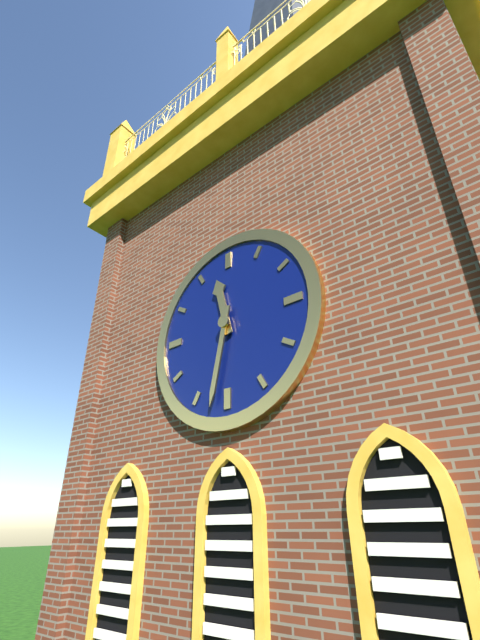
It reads 11h32
